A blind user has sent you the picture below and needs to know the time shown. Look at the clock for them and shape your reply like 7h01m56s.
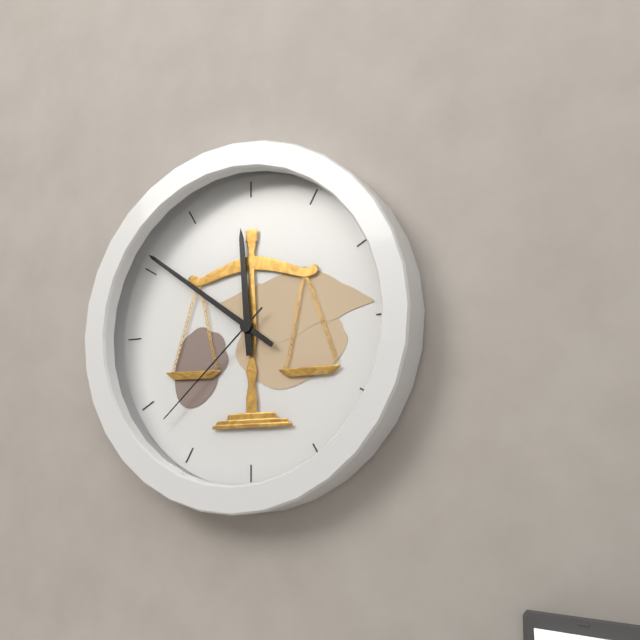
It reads 11h51m38s
